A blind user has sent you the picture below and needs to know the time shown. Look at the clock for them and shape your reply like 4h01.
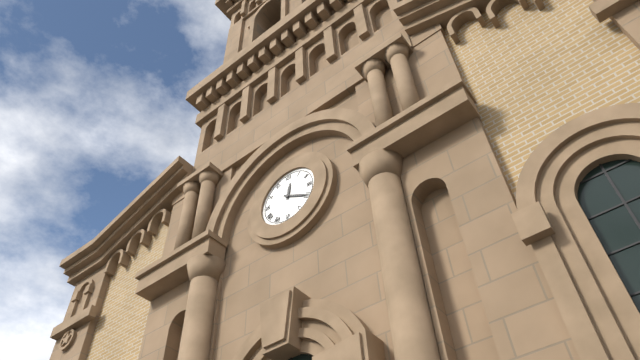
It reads 12h20
